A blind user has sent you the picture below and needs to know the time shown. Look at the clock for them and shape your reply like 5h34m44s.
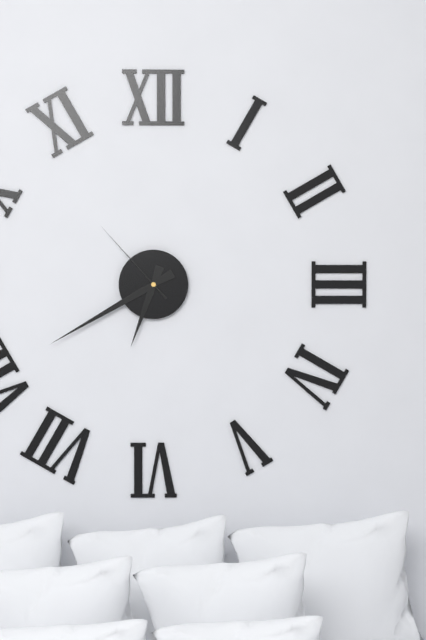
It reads 6h40m53s
